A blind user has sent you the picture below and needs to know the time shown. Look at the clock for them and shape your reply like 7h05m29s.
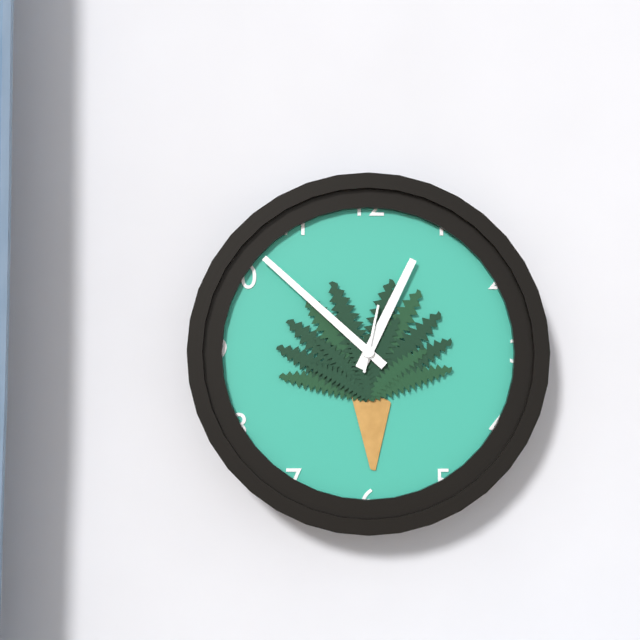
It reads 12h52m02s
